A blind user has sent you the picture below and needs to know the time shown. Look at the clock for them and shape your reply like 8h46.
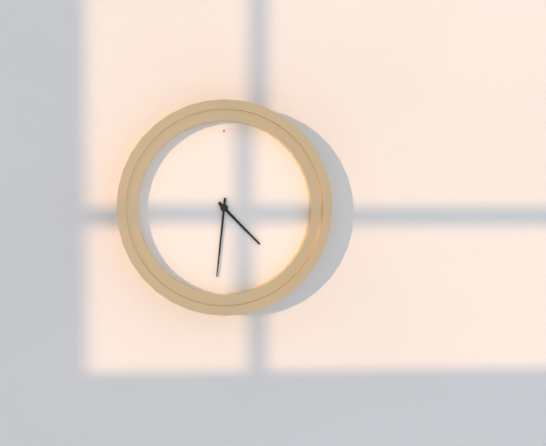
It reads 4h31
